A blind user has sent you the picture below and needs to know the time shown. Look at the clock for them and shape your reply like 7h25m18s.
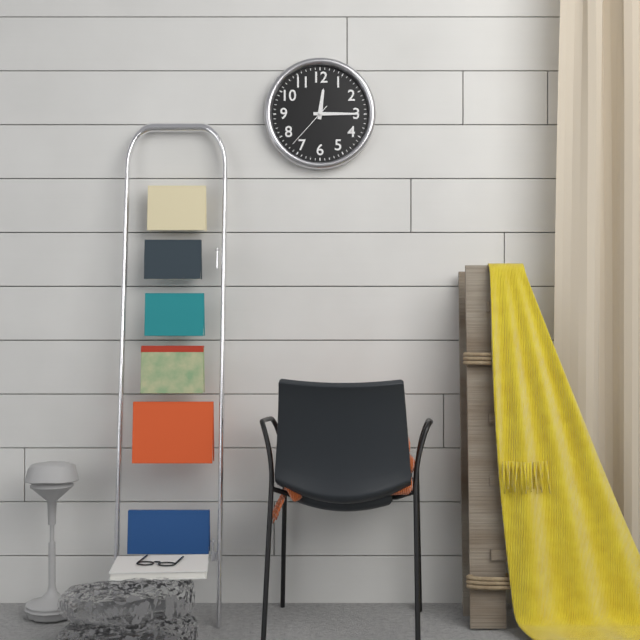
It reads 12h15m37s
